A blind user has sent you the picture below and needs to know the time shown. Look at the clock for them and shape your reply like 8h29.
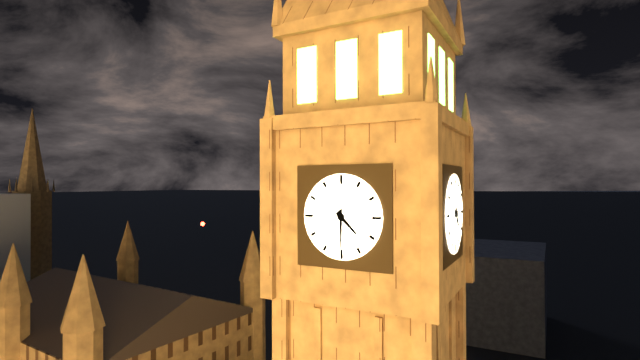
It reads 4h30
